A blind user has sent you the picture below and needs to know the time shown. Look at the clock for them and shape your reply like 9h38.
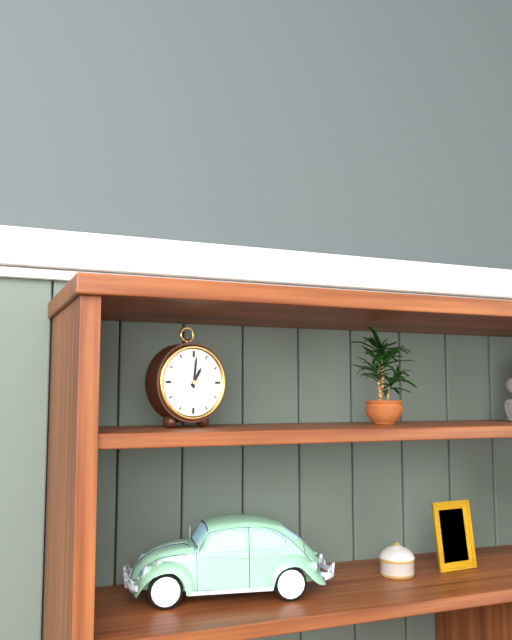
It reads 1h01
